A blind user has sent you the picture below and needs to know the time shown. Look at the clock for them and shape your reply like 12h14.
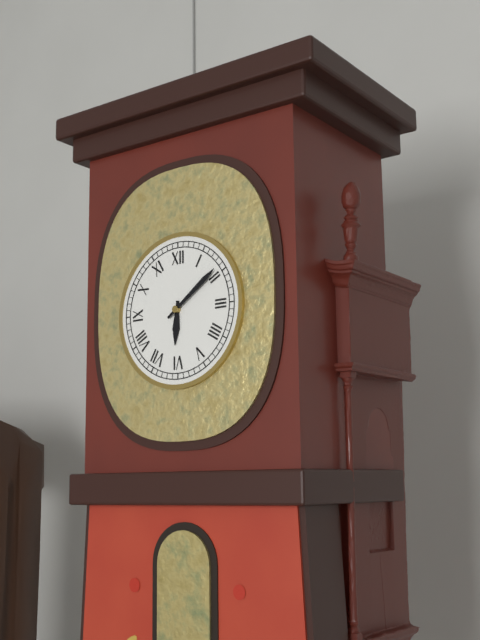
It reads 6h09
